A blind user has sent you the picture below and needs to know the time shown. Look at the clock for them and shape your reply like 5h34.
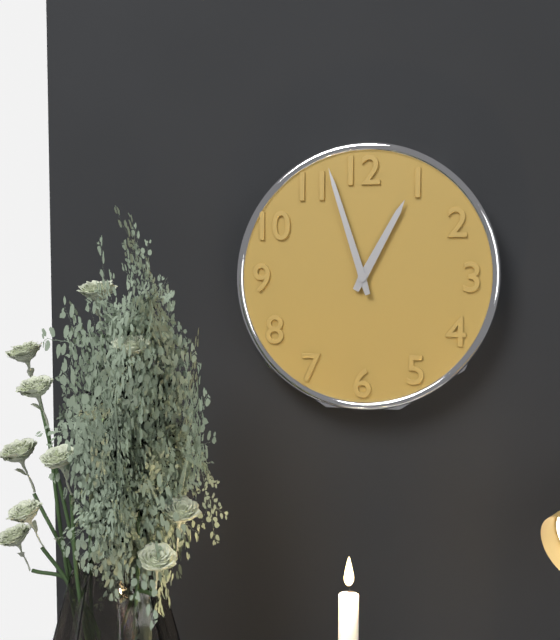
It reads 12h57
